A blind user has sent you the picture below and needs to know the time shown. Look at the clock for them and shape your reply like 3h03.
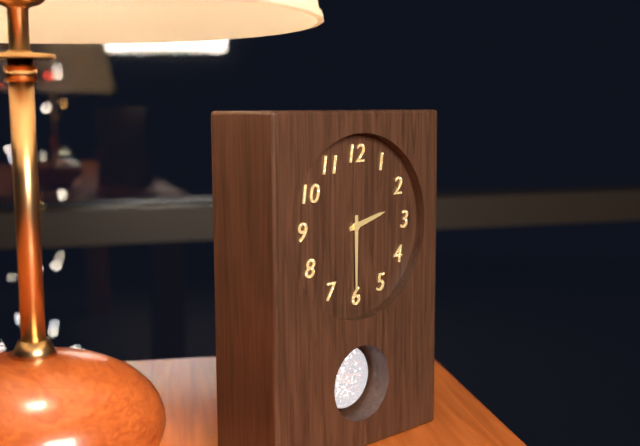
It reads 2h30
